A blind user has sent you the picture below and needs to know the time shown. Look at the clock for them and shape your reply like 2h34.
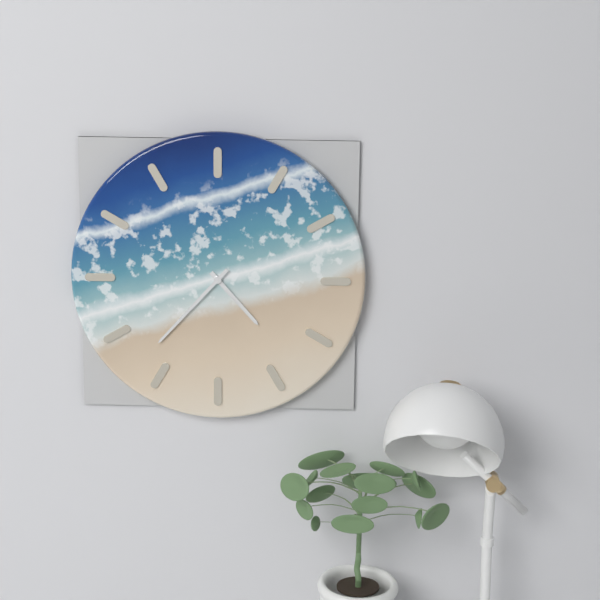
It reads 4h37
